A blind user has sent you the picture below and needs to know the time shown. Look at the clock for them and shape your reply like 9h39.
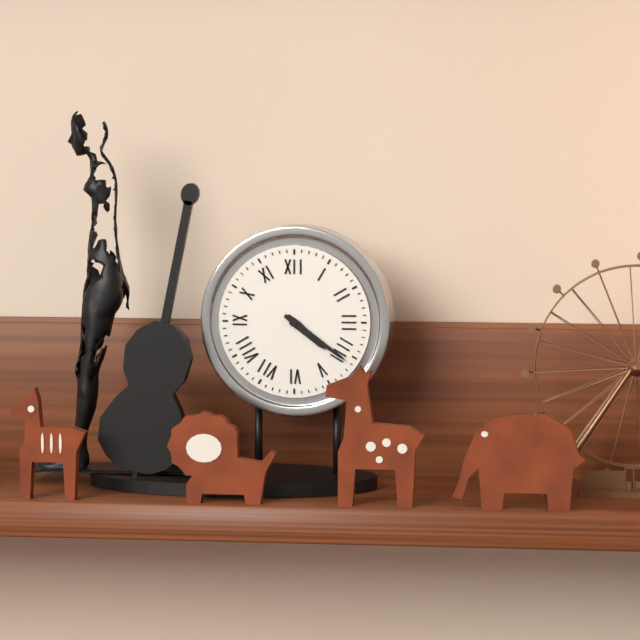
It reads 4h21
